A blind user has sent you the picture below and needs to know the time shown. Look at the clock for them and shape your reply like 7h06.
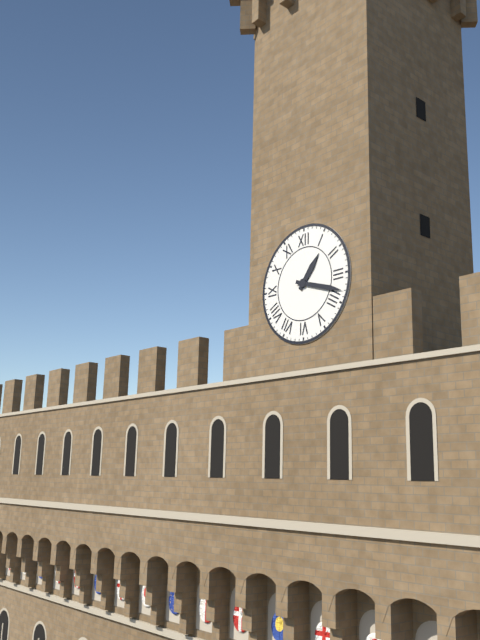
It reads 1h18
